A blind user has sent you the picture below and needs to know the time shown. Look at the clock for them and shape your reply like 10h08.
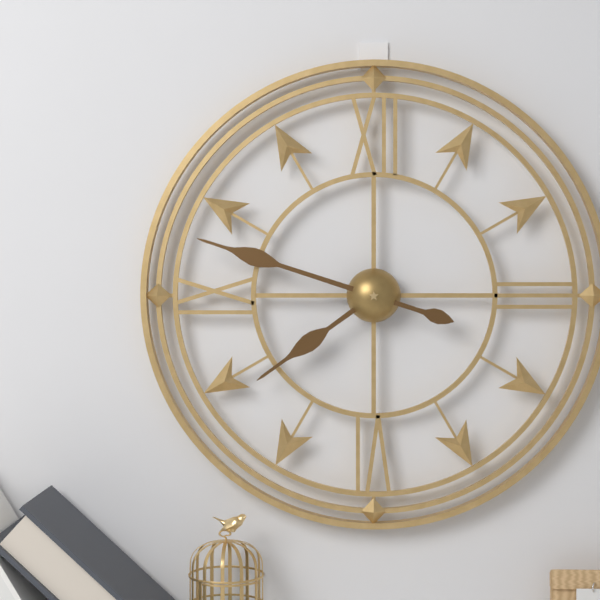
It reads 7h48
